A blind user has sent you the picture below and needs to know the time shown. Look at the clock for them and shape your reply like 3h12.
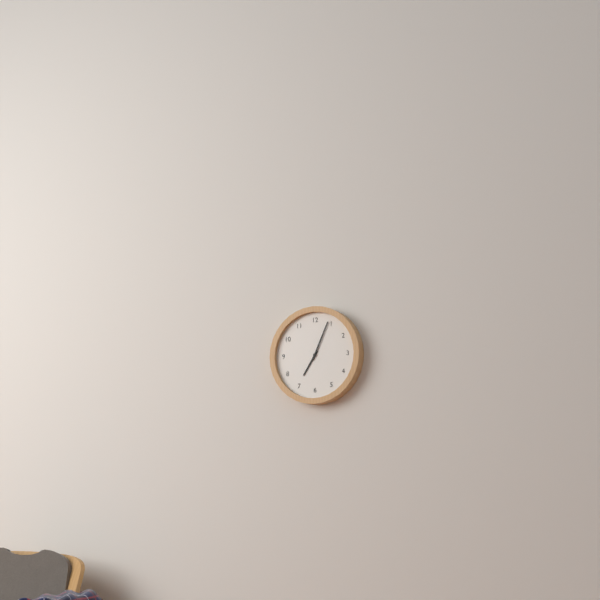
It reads 7h04
